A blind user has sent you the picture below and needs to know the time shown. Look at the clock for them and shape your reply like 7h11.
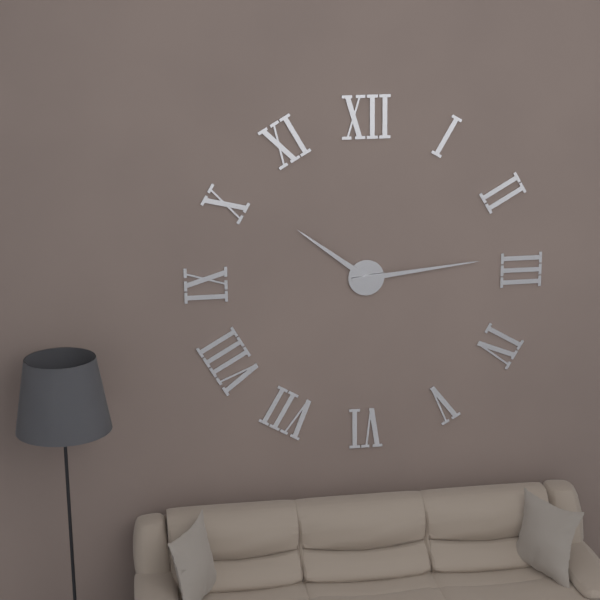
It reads 10h14
